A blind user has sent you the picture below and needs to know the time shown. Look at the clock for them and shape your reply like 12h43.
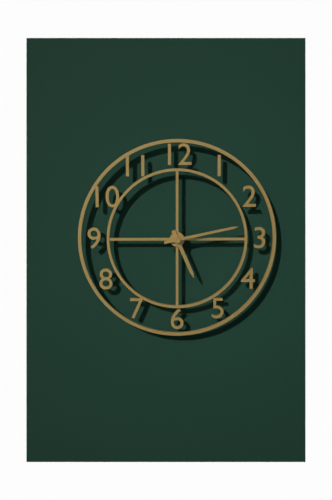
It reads 5h13
